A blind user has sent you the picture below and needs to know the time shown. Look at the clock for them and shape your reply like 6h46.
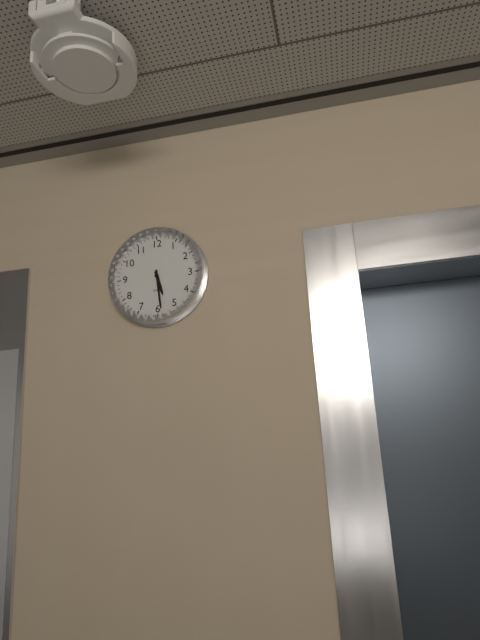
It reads 5h29
